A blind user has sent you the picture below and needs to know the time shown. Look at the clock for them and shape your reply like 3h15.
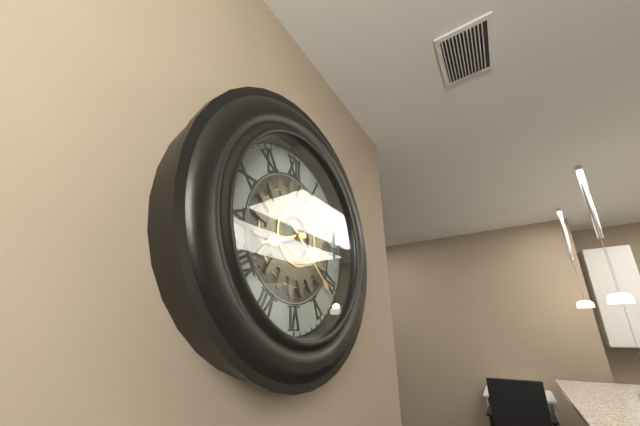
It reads 8h22
